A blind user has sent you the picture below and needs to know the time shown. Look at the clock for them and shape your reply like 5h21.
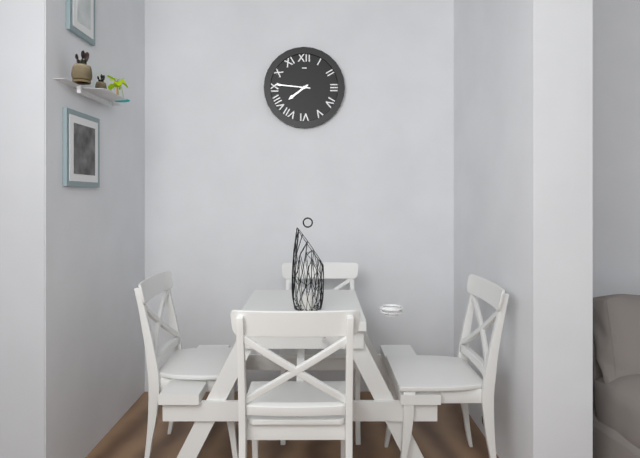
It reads 7h46
